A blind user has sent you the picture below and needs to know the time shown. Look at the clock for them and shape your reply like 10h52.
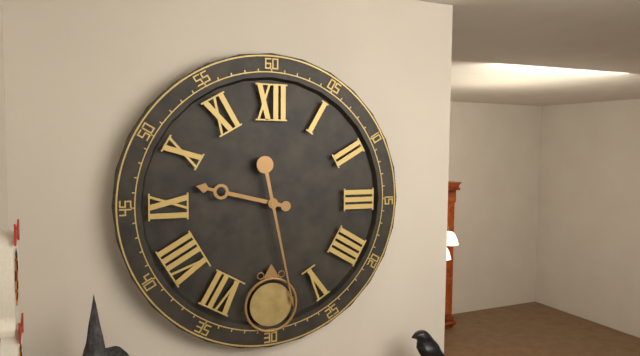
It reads 9h28
